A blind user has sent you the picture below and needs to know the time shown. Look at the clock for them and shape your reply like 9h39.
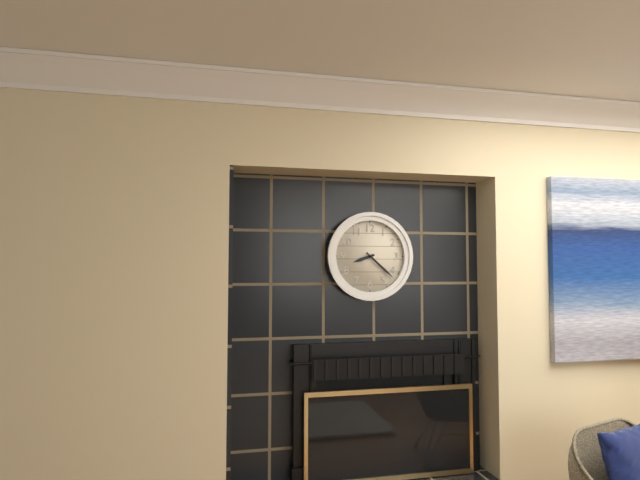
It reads 8h22
